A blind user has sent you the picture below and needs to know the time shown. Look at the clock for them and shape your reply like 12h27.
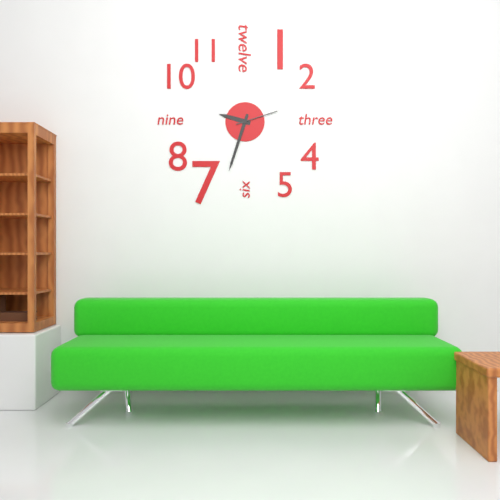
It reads 9h33
